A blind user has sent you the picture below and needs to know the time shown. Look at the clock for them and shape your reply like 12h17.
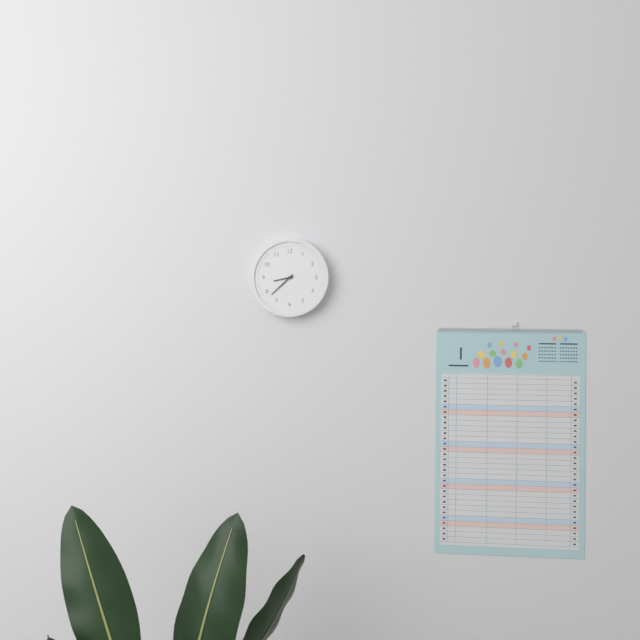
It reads 8h38
